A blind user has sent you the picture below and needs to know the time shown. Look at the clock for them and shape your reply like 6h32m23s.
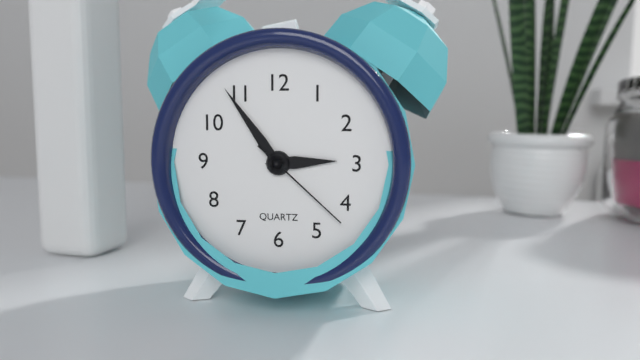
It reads 2h54m22s
